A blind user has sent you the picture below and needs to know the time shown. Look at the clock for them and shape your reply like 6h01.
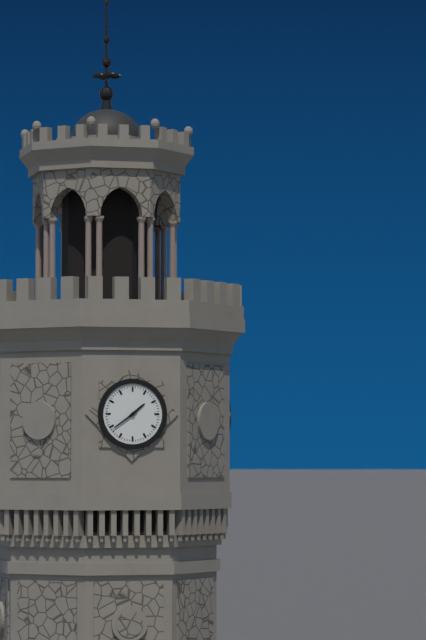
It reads 1h39
